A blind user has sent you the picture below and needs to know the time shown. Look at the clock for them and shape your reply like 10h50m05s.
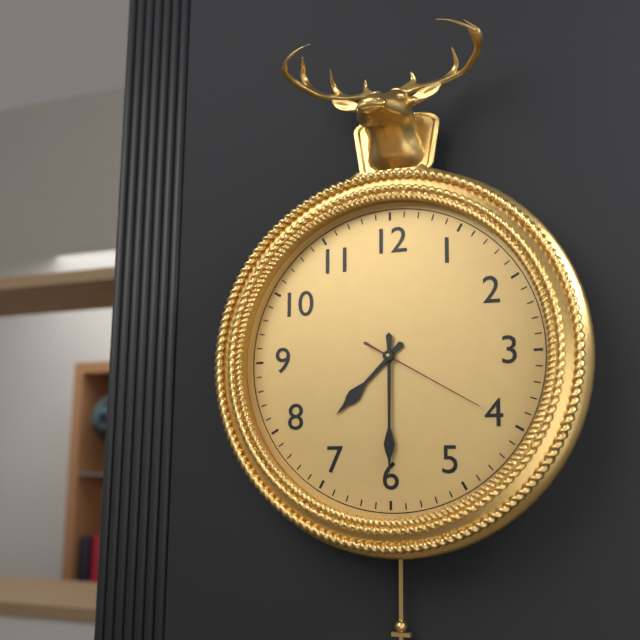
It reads 7h30m20s
